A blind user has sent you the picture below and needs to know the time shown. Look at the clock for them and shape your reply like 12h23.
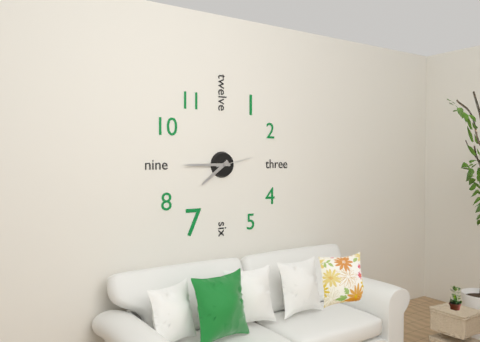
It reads 7h45
